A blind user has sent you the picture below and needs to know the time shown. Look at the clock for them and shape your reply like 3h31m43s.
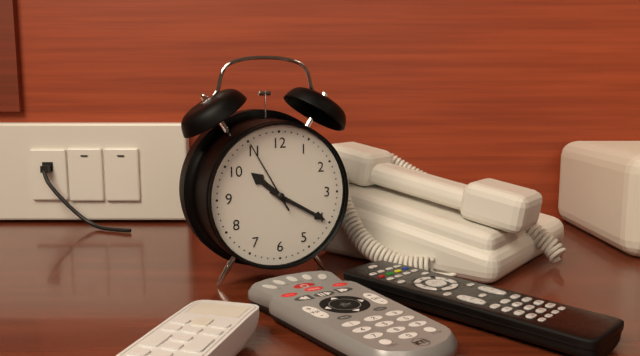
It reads 10h20m55s
